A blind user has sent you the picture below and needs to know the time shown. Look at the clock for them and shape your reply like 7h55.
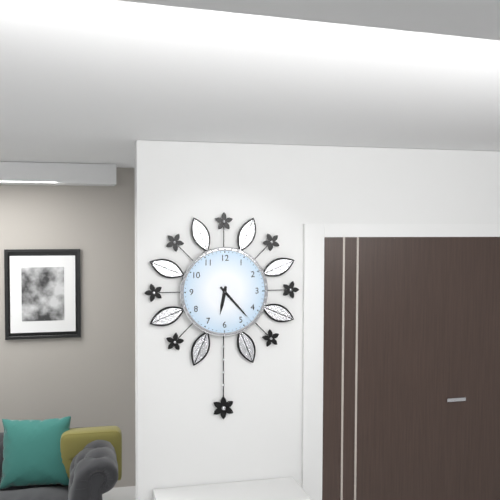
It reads 6h23
